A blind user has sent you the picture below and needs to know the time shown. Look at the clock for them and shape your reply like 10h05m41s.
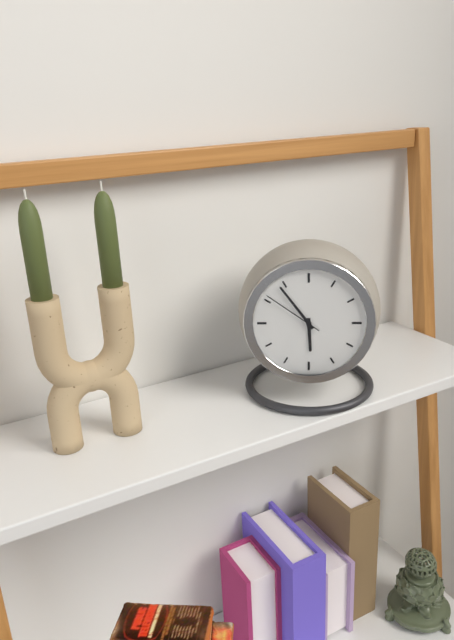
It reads 5h54m51s
